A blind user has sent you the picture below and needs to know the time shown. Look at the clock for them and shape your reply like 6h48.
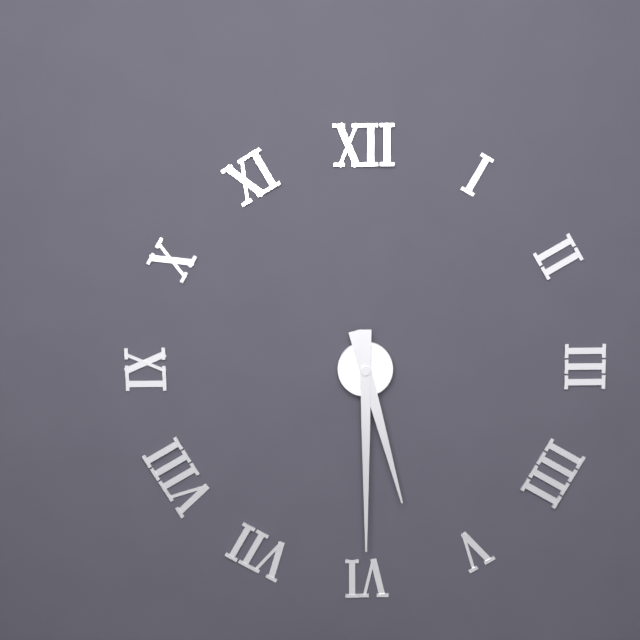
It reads 5h30
